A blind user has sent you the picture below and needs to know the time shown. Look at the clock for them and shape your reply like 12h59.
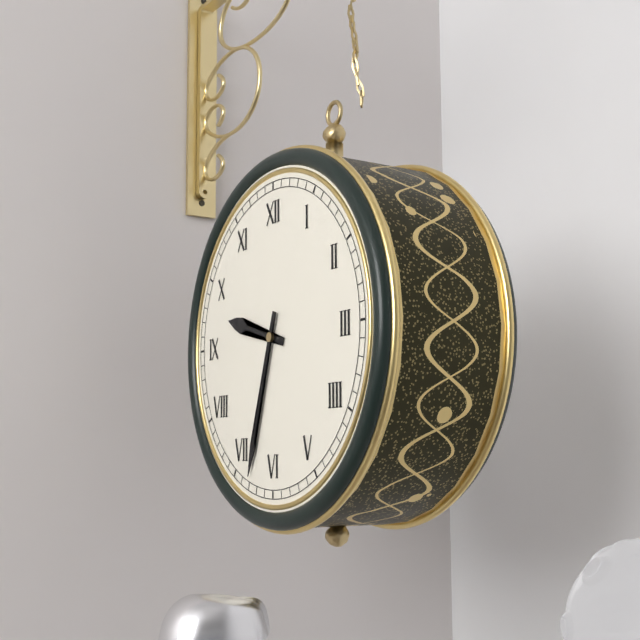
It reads 9h33
